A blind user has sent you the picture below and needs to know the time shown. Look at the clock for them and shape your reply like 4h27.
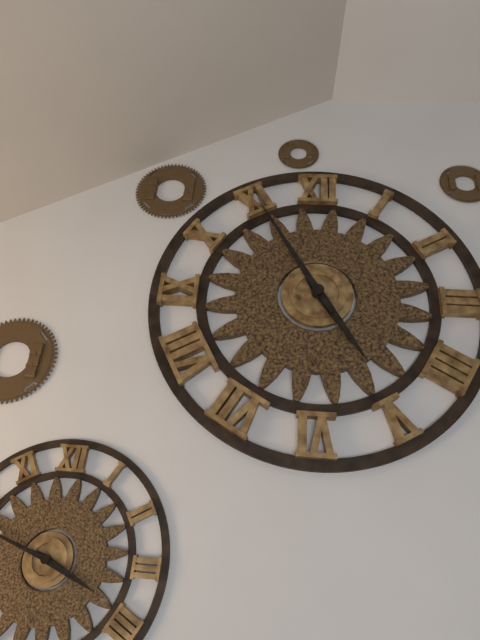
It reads 4h55
